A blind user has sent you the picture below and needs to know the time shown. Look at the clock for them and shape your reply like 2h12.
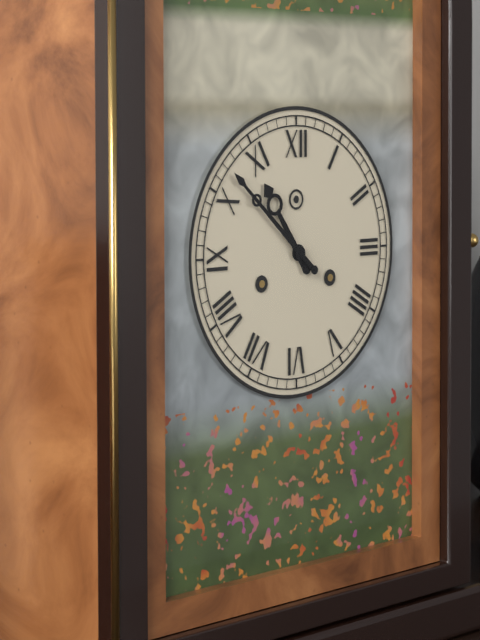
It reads 10h52
